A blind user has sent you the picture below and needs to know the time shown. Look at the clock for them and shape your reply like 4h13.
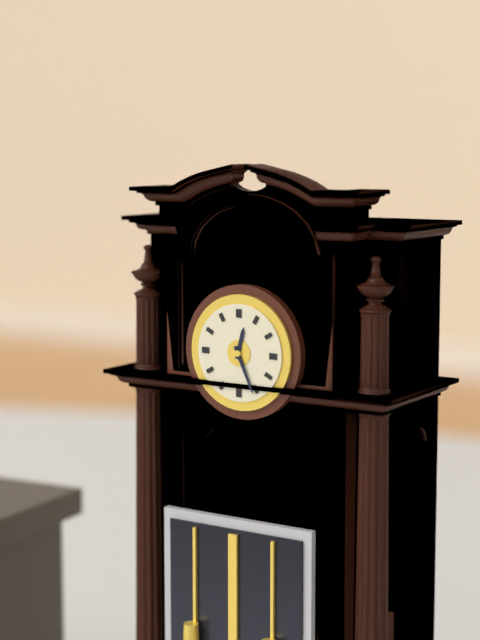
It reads 12h26
